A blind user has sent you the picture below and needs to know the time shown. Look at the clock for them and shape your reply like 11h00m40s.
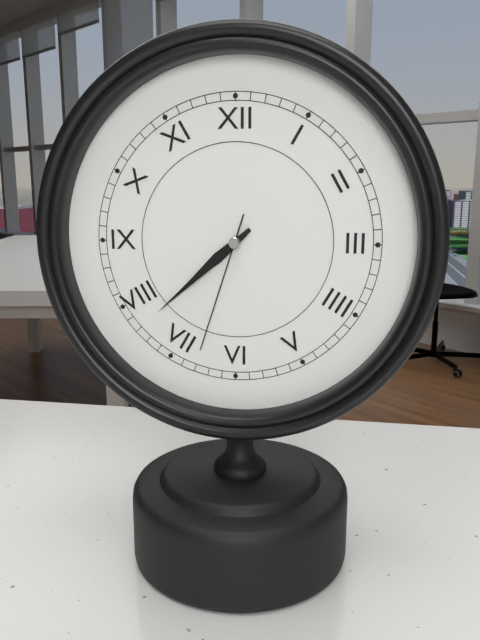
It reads 7h38m33s
